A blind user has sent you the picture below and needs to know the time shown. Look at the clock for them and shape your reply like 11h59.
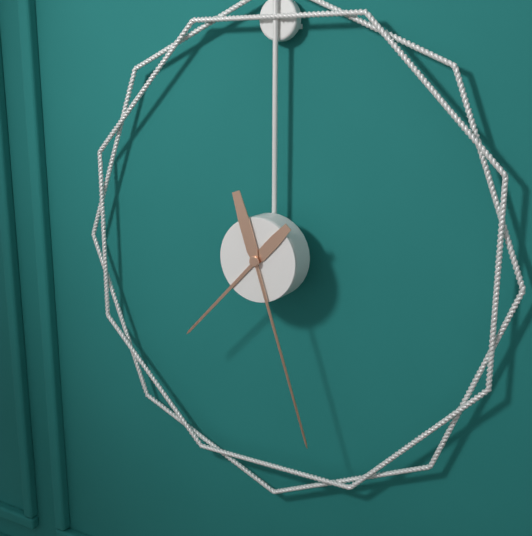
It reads 7h27
